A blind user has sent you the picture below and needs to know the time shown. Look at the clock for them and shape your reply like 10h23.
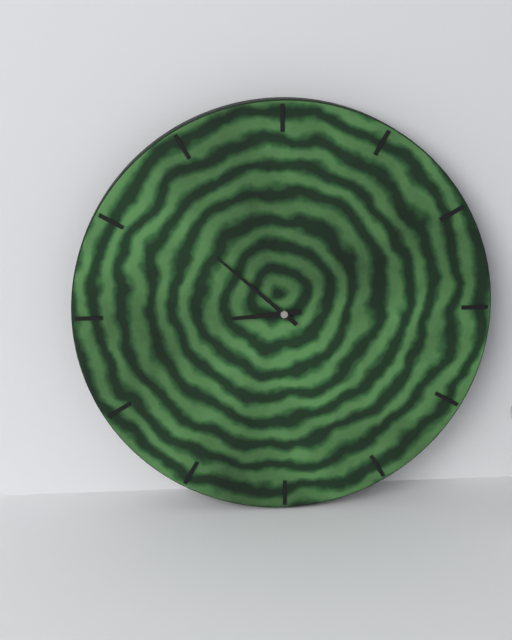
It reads 8h52
